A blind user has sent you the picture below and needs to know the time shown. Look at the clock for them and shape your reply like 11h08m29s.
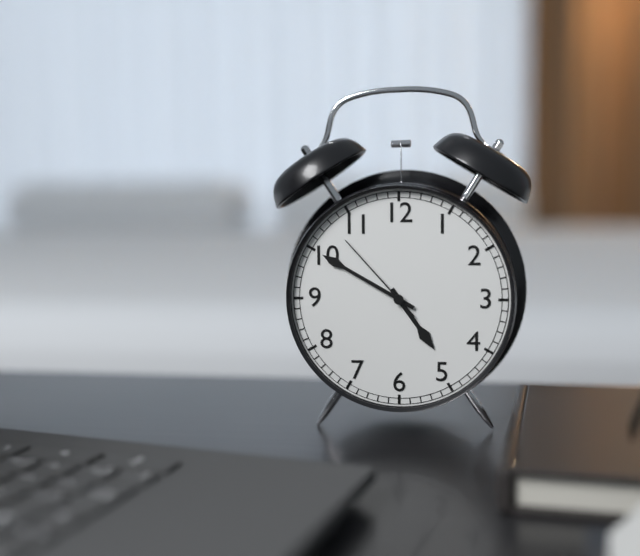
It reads 4h50m53s
